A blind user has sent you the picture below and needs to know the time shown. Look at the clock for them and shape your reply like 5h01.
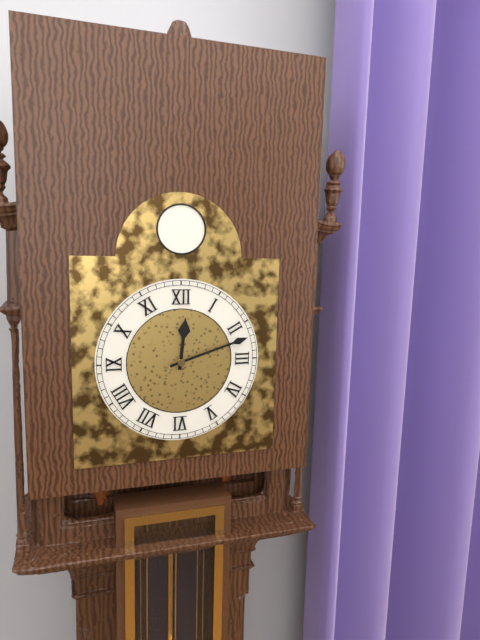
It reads 12h12
